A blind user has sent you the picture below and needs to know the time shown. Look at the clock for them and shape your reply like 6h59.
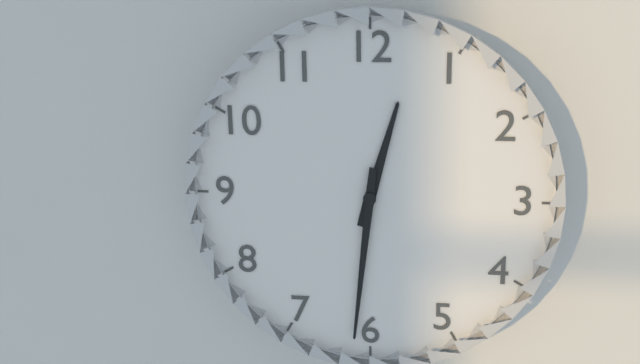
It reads 12h31
